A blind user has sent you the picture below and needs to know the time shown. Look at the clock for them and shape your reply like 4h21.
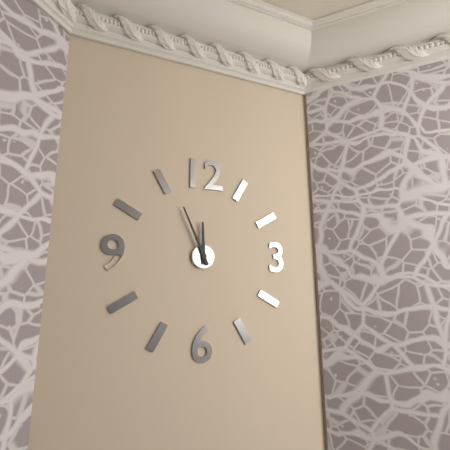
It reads 11h56
